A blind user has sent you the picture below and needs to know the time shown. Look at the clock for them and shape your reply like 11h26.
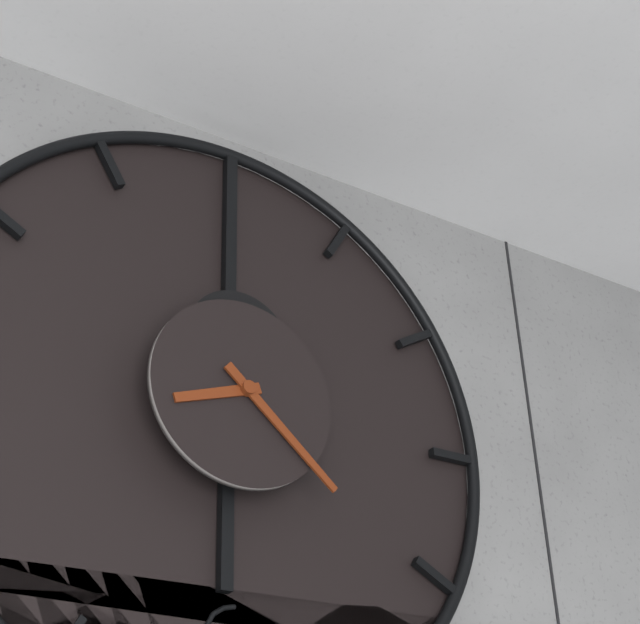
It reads 8h22
